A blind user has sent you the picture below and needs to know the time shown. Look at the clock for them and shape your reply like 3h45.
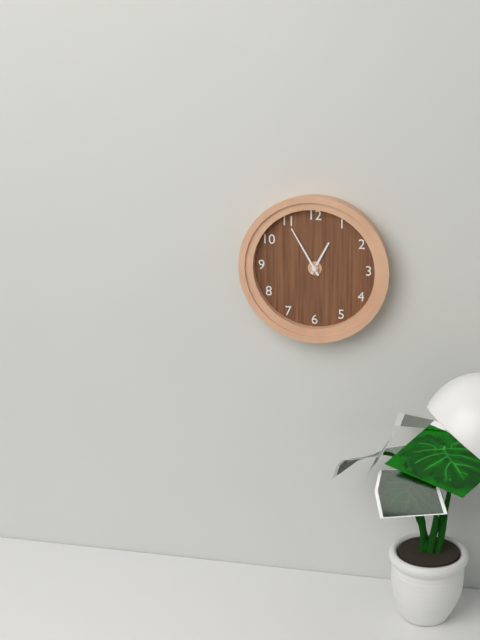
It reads 12h55
